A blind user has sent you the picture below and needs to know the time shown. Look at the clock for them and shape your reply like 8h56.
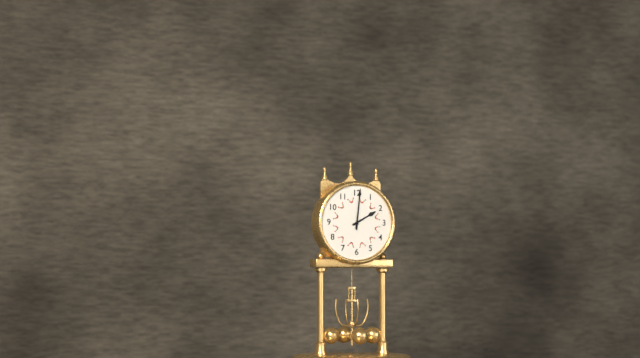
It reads 2h01
